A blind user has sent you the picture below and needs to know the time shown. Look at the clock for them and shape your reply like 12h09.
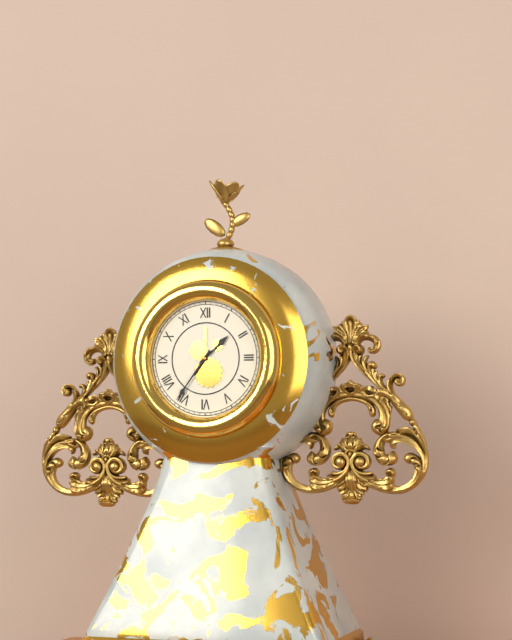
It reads 1h36
